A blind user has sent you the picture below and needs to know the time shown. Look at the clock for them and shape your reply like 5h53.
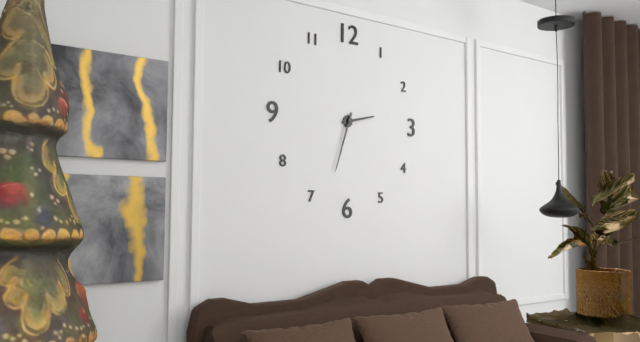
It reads 2h33
